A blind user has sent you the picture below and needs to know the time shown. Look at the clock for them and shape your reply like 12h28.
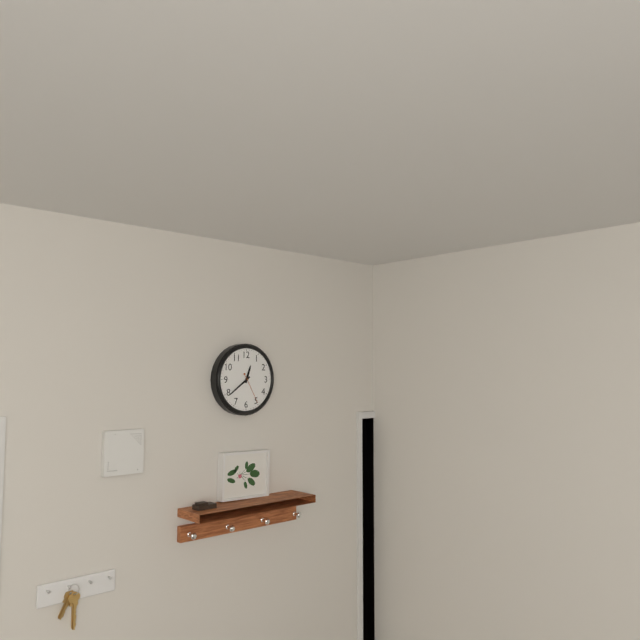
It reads 12h39
